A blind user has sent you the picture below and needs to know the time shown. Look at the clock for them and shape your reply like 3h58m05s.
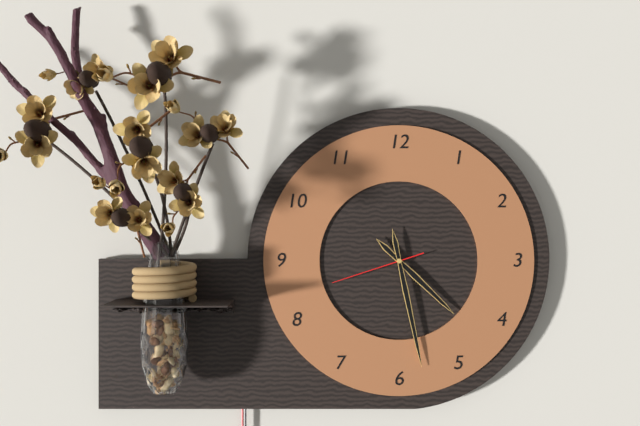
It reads 4h28m42s
